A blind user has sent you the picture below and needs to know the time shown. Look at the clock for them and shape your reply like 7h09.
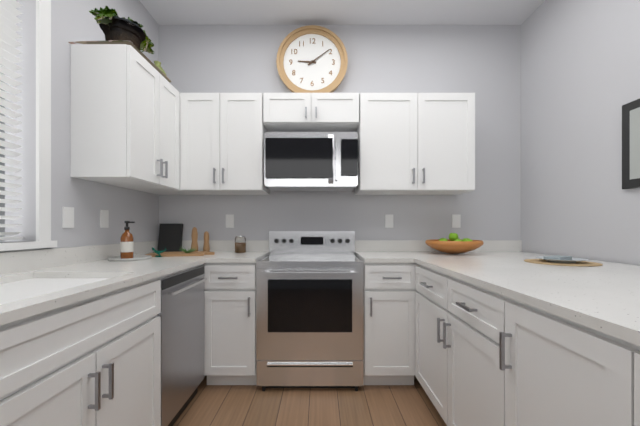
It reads 9h09
